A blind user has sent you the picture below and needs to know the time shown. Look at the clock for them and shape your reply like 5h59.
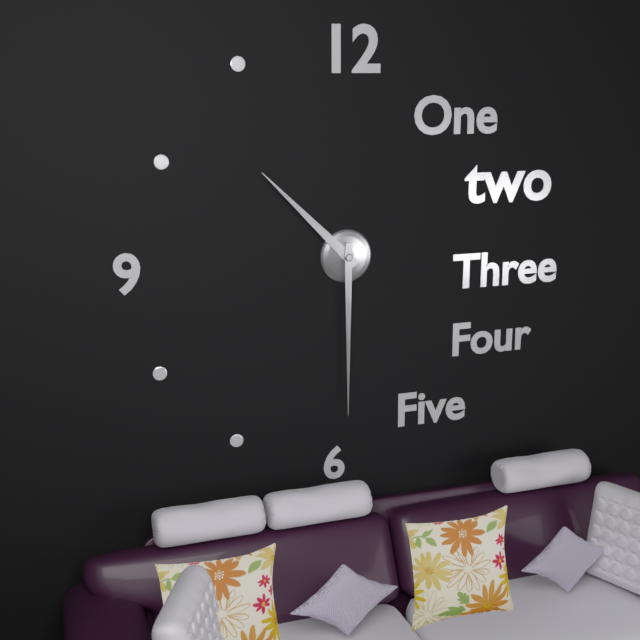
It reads 10h30
